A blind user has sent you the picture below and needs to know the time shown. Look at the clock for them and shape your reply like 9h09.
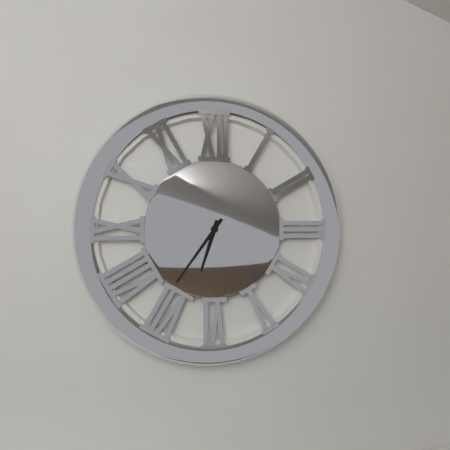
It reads 6h36
